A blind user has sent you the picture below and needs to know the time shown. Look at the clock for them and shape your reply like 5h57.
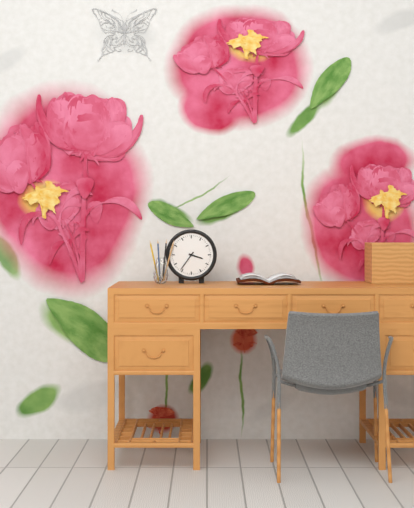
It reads 3h36
